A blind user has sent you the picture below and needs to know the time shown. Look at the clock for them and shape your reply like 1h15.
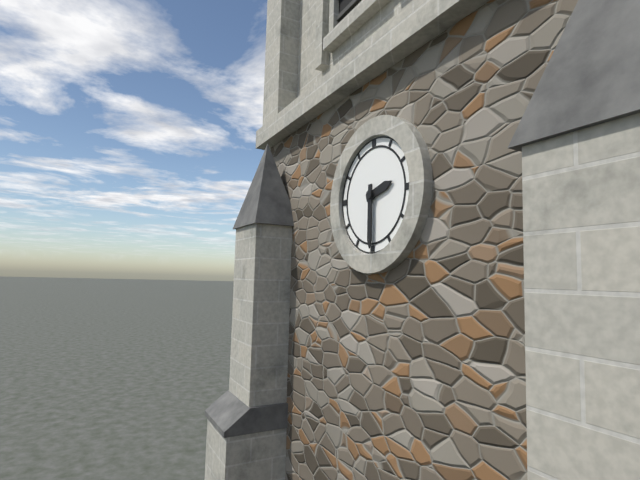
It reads 2h30
